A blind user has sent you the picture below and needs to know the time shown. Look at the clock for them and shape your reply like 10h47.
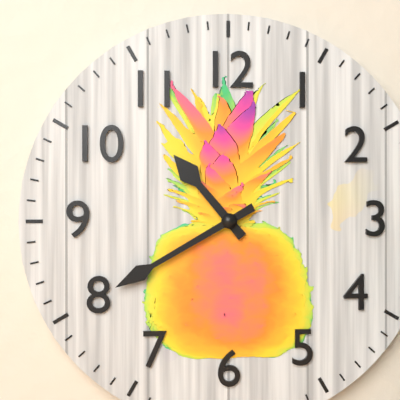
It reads 10h40
